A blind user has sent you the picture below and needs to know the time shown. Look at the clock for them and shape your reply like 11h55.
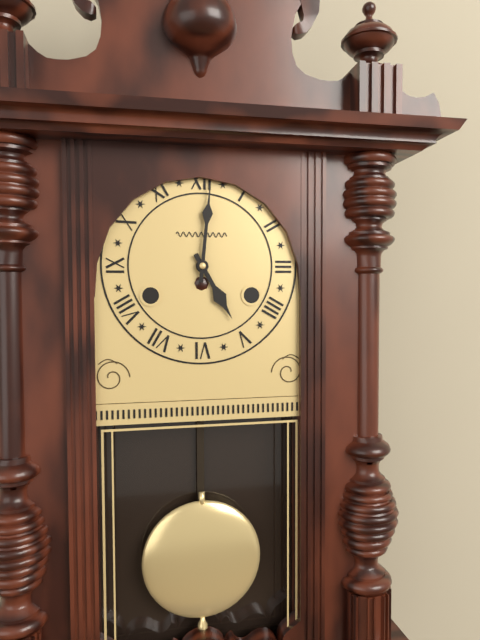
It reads 5h01
